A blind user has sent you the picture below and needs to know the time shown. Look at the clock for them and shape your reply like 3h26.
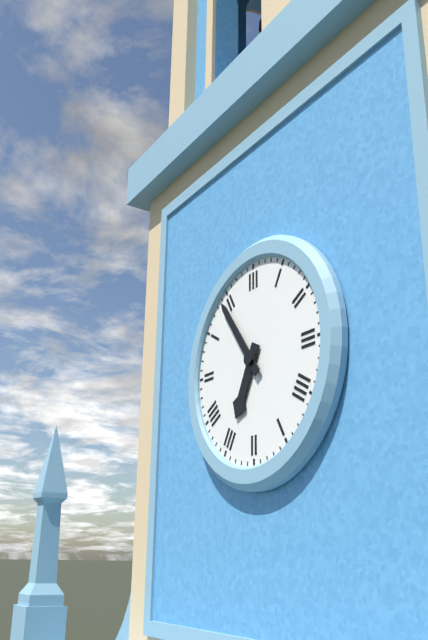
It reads 6h54
